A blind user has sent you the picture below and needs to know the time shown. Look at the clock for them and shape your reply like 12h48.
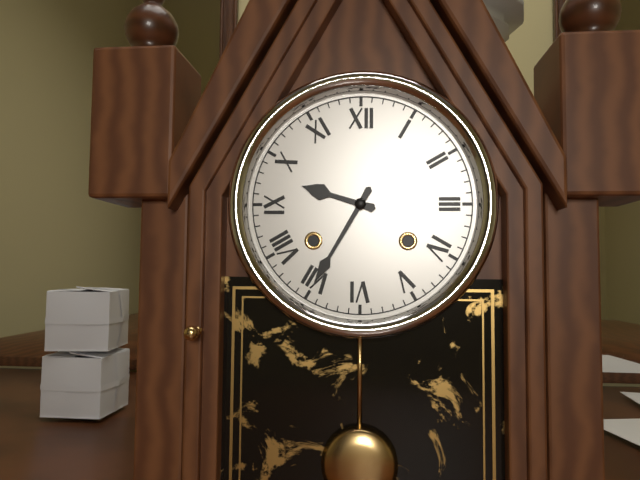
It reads 9h35
